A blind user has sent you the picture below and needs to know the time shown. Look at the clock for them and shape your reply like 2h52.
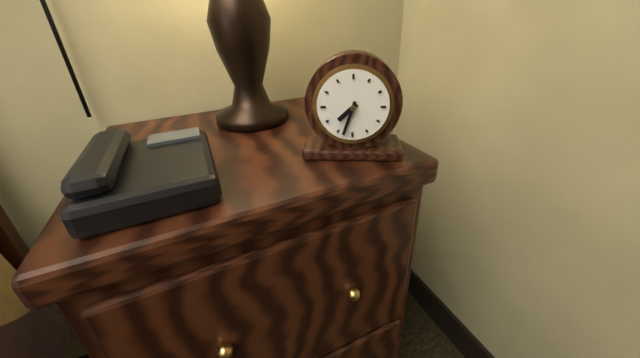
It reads 7h33
